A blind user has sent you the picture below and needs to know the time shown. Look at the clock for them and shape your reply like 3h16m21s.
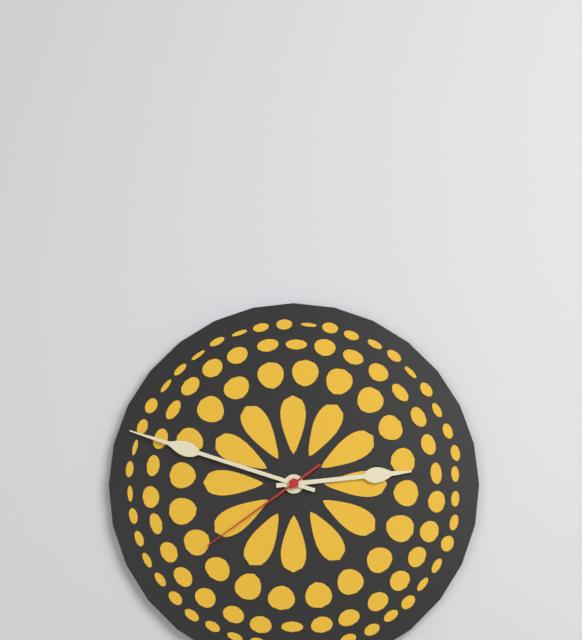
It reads 2h48m39s
